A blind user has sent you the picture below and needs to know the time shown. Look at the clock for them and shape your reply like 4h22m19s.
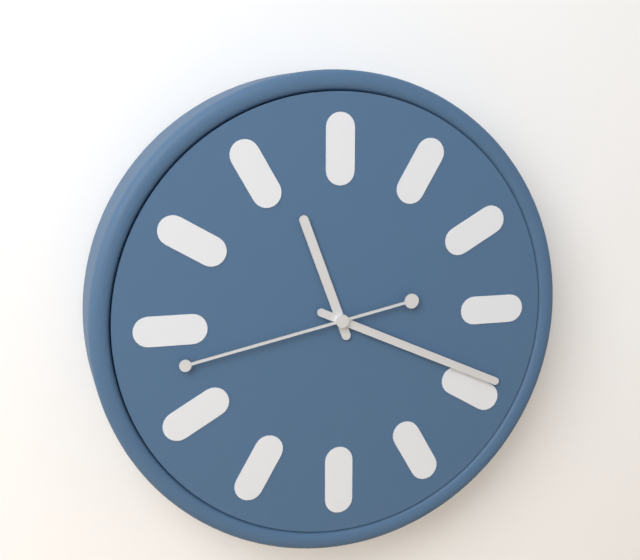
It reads 11h19m43s
